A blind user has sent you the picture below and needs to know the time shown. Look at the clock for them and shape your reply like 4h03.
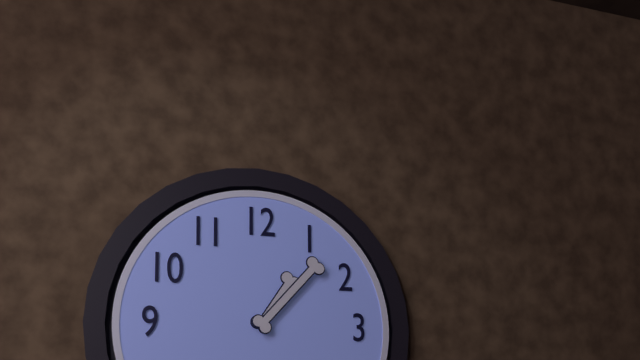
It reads 1h07
